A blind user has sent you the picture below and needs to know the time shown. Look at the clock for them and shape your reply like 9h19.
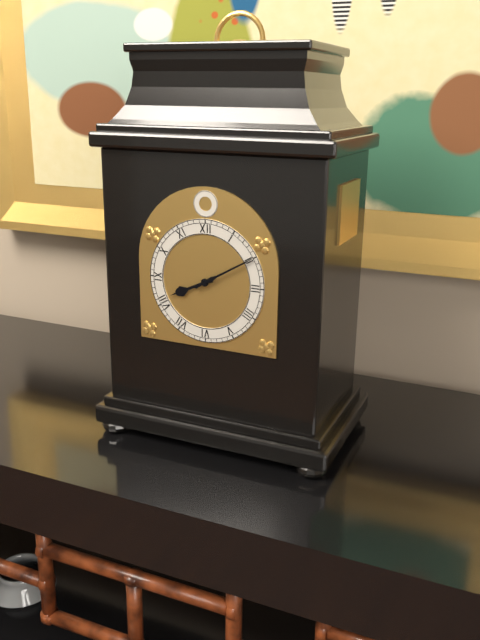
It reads 8h10
